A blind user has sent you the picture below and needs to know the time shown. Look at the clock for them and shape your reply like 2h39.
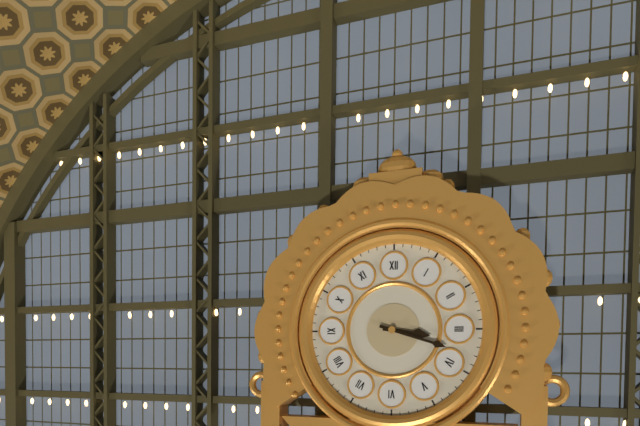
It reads 3h18
